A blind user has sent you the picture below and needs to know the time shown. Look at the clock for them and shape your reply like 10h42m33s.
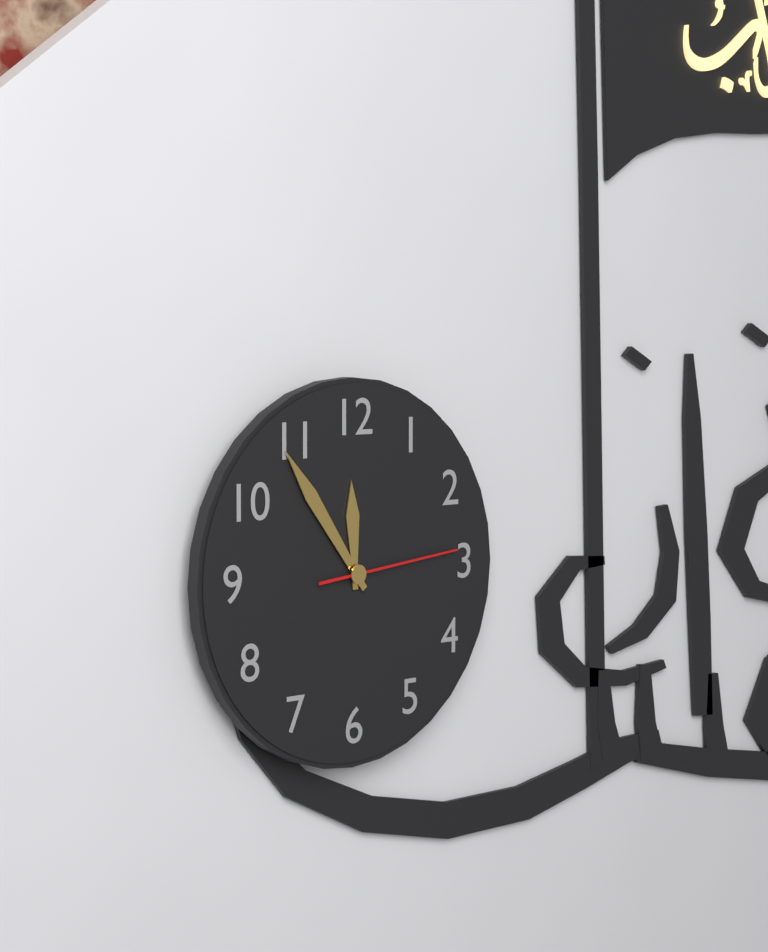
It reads 11h54m14s
